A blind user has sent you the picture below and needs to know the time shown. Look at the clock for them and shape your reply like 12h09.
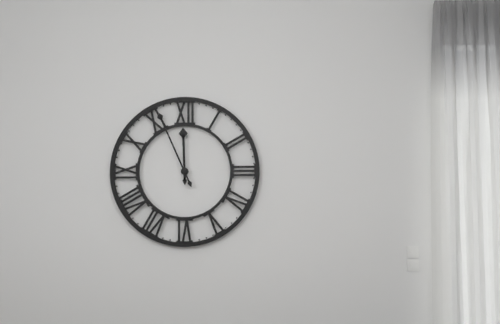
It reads 11h56
